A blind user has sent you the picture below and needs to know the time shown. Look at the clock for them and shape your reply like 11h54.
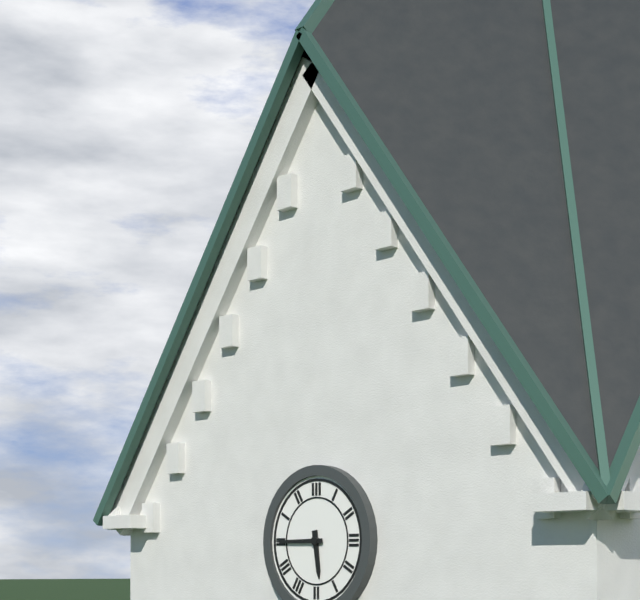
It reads 5h45
